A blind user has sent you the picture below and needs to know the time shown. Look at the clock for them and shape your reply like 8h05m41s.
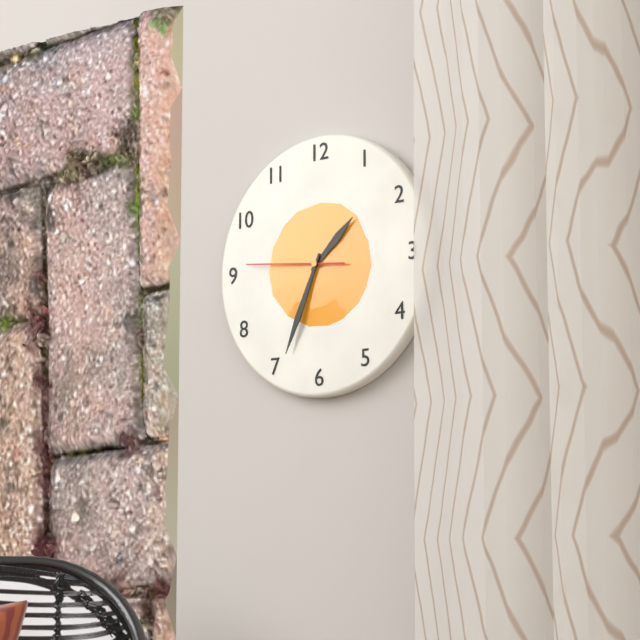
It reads 1h34m46s
